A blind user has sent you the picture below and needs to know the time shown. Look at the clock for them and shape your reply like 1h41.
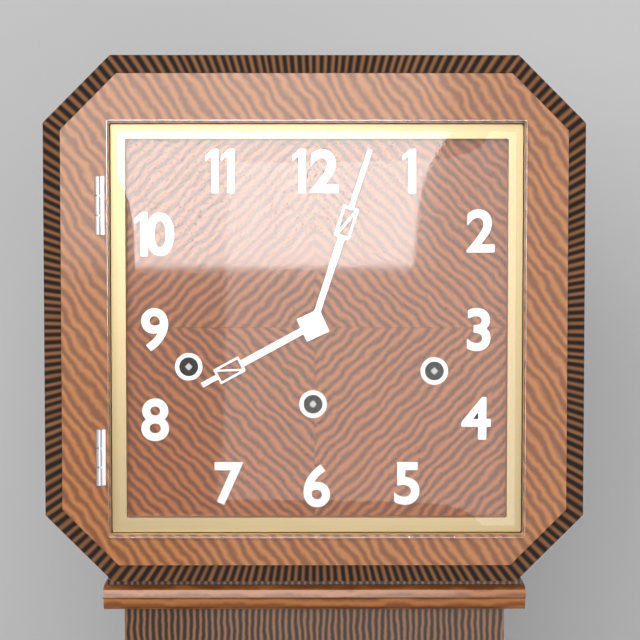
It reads 8h03
